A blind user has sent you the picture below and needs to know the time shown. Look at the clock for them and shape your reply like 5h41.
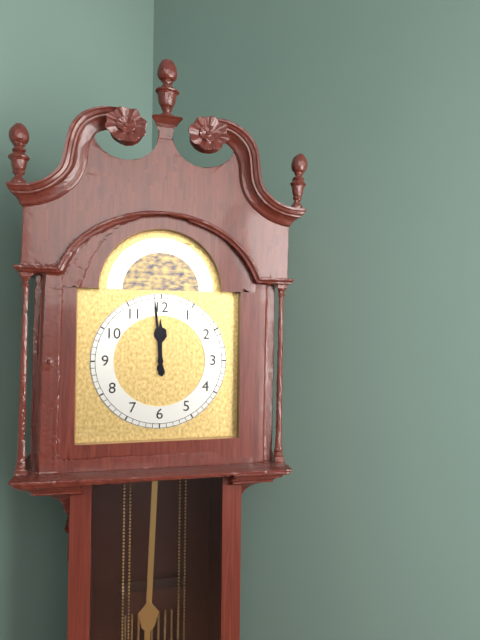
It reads 11h59
